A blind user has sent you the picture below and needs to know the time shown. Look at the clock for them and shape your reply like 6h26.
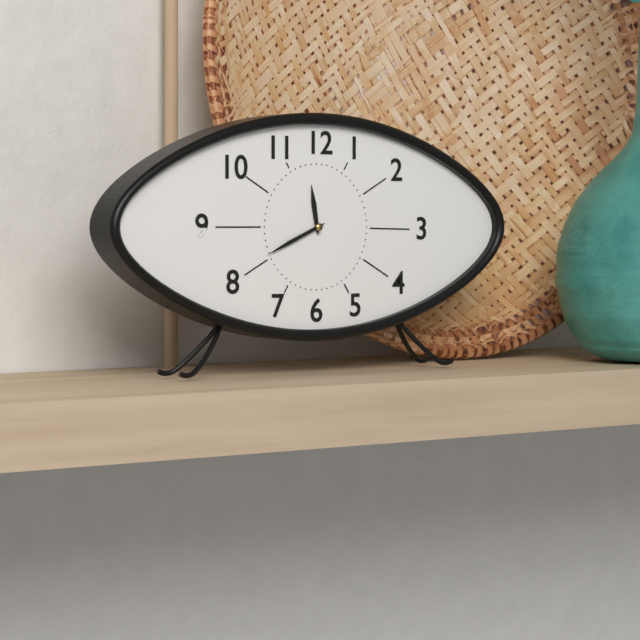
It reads 11h41
